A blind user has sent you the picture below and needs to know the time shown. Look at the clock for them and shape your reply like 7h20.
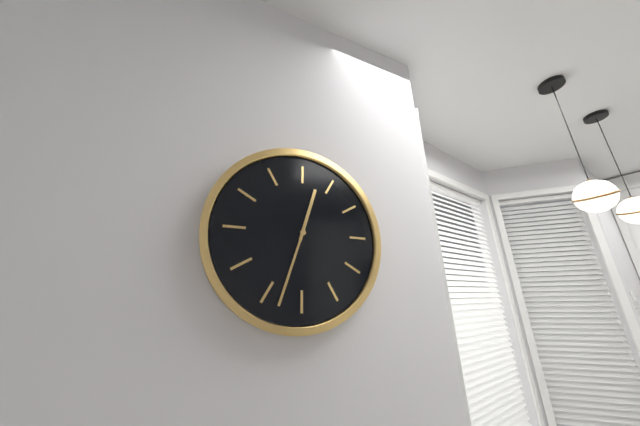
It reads 12h33
